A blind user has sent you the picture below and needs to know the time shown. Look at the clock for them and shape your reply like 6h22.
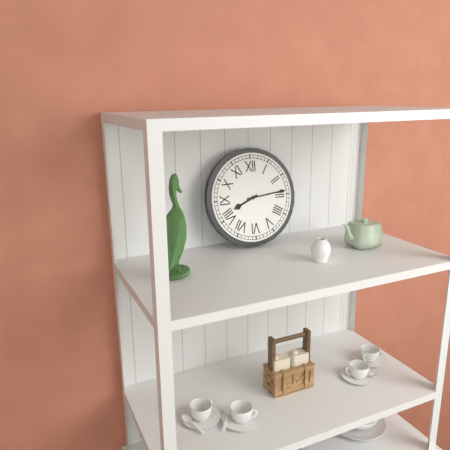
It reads 8h14
